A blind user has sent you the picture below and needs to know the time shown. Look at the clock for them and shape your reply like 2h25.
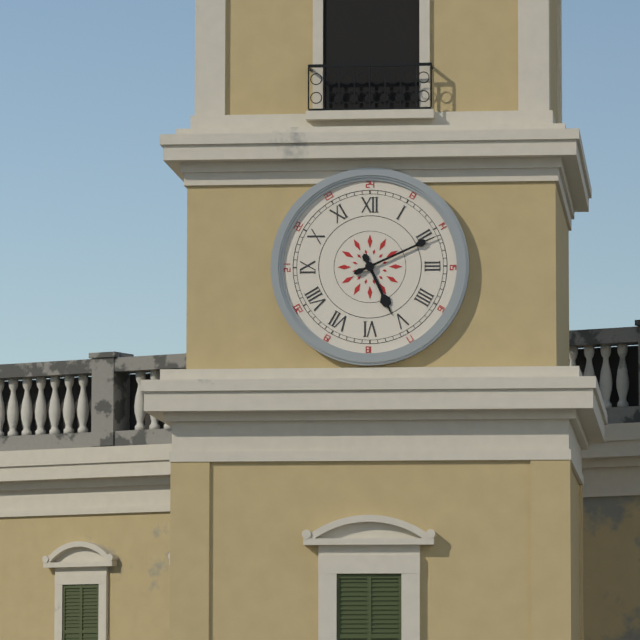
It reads 5h11
